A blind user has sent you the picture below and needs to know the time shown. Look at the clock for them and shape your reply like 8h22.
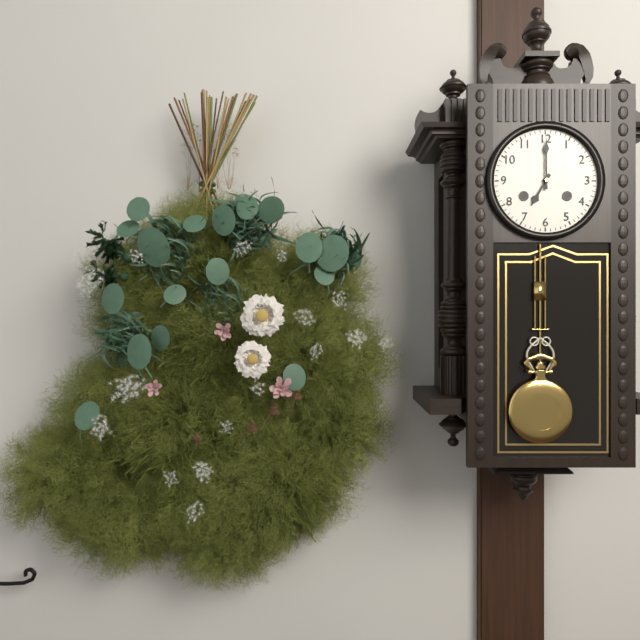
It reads 7h00
